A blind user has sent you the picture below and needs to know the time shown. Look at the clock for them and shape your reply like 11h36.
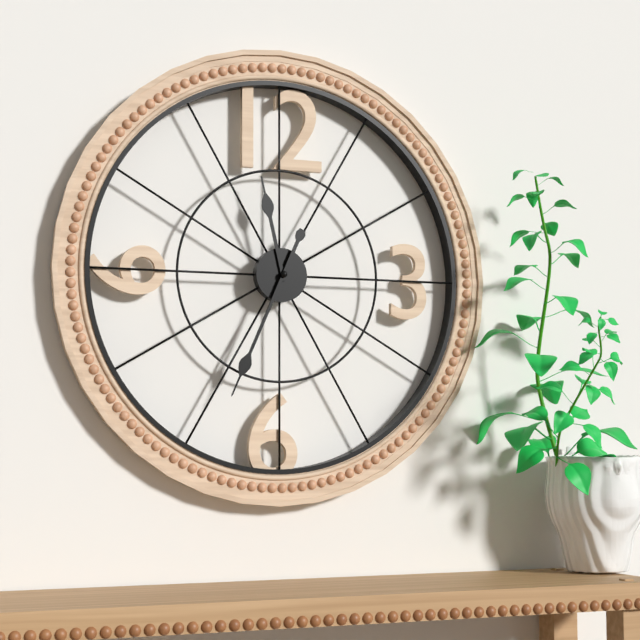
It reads 11h34
